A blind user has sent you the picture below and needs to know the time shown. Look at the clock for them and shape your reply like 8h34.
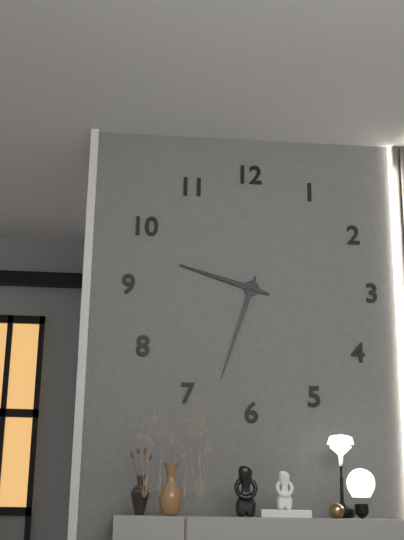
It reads 9h33
